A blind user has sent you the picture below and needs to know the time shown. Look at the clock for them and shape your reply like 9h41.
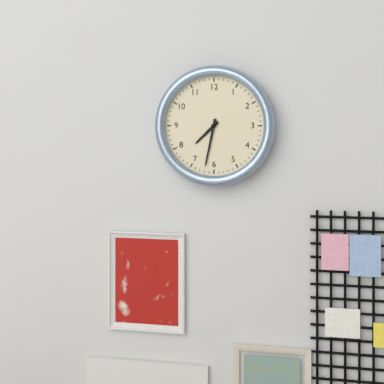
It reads 7h32
